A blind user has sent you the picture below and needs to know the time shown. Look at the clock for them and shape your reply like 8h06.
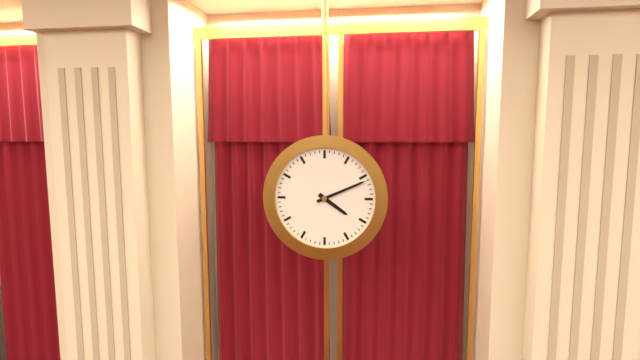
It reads 4h11
